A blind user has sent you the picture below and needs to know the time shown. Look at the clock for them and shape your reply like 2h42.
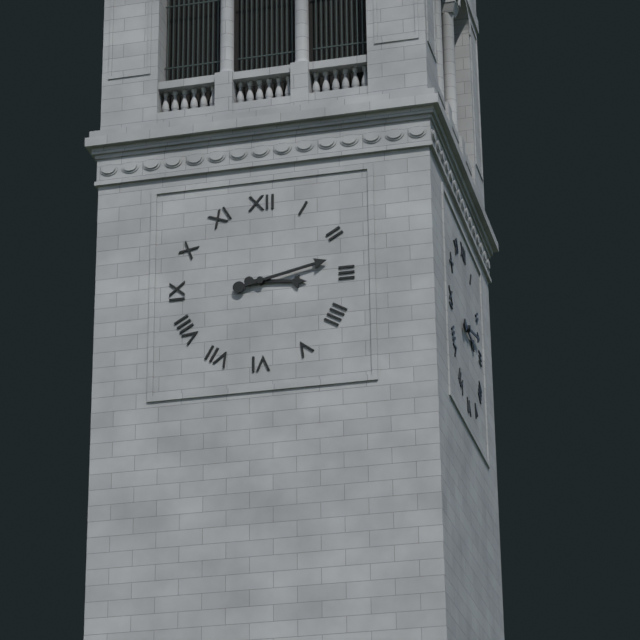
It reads 3h13
